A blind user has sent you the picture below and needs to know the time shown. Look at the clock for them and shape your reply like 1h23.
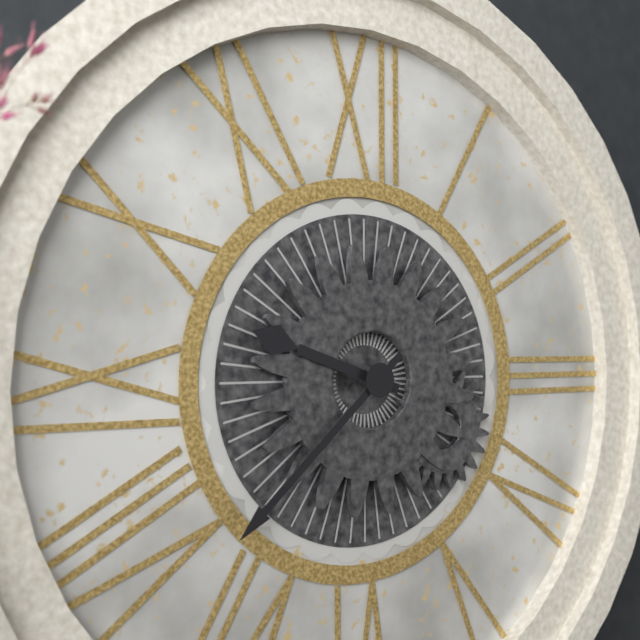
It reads 9h38
